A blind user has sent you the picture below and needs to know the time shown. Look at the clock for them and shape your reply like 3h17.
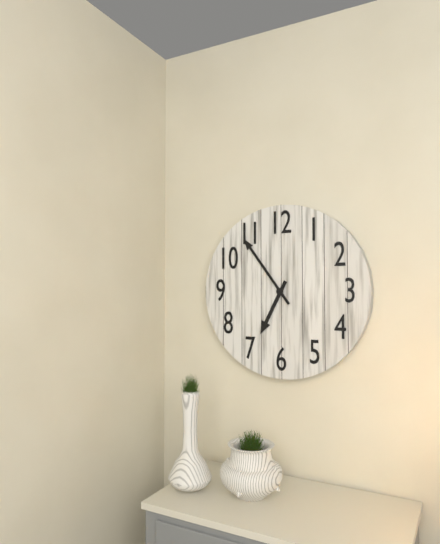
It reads 6h54
